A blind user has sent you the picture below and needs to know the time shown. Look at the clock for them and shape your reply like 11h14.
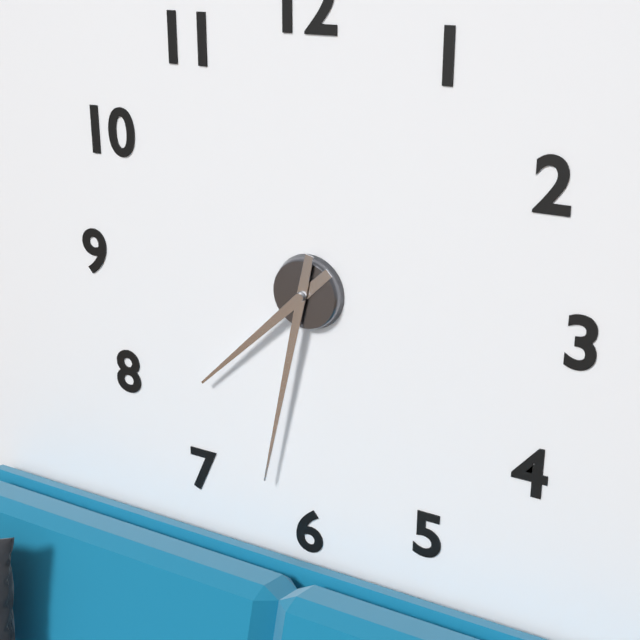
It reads 7h32
